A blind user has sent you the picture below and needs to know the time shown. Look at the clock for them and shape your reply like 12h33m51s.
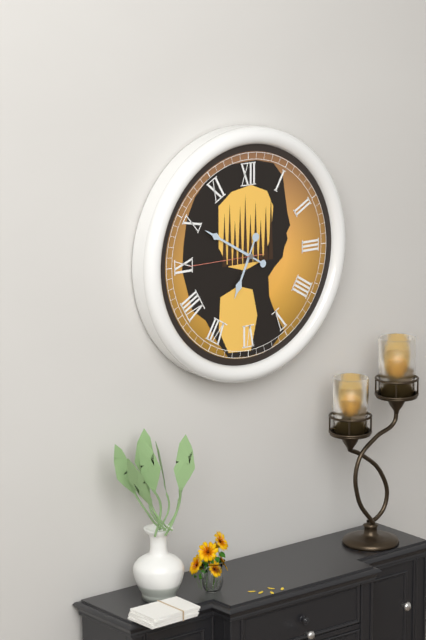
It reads 6h50m45s
